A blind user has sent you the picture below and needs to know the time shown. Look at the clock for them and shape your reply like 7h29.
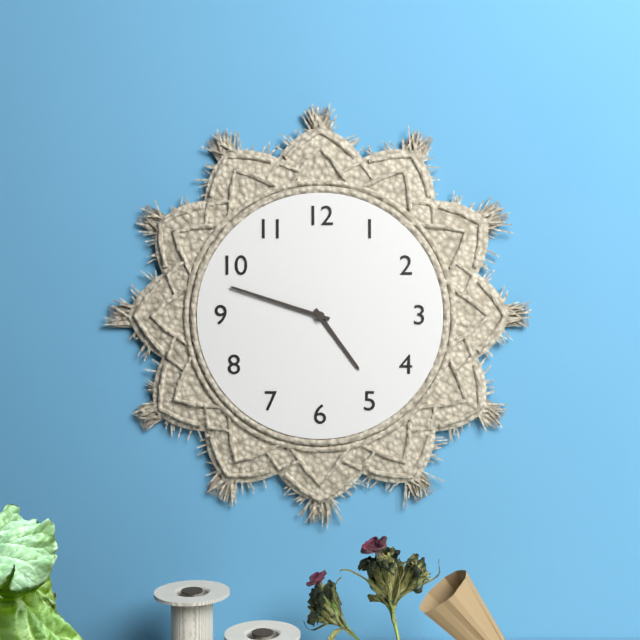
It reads 4h48
